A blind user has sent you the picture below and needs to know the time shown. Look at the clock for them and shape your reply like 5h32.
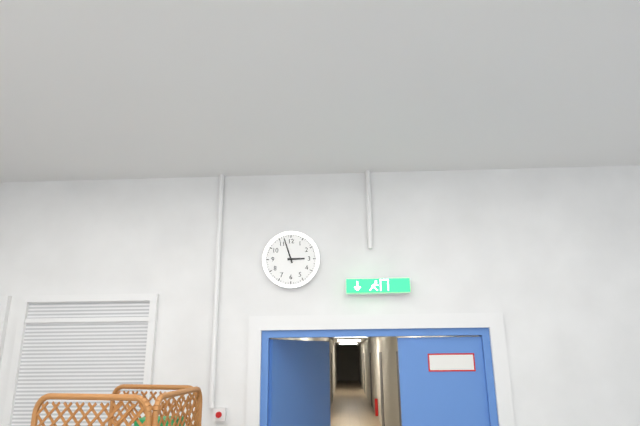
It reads 2h57
